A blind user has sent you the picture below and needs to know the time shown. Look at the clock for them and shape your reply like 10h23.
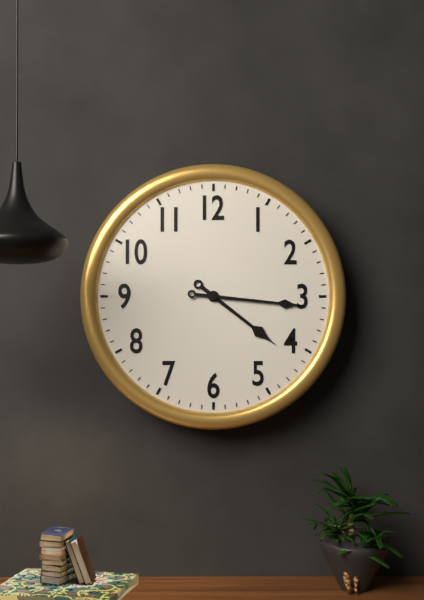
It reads 4h16
